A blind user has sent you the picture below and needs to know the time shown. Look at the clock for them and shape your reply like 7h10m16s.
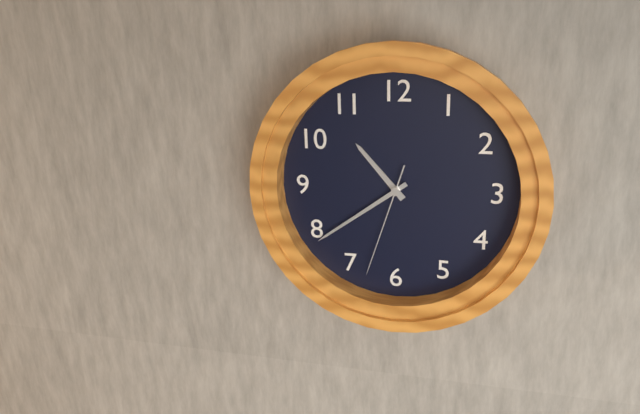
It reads 10h39m33s
